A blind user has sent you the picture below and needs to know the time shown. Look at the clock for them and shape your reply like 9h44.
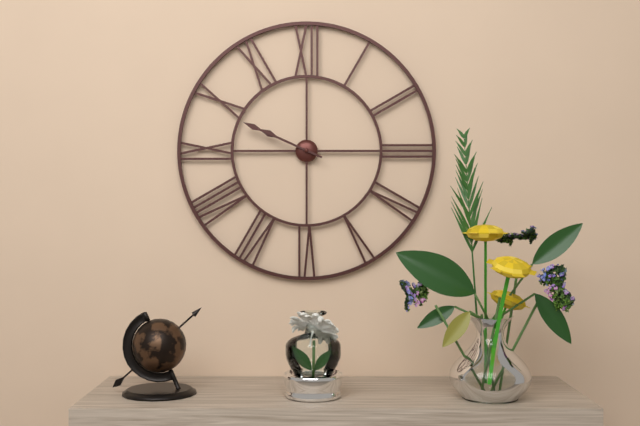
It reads 9h49
